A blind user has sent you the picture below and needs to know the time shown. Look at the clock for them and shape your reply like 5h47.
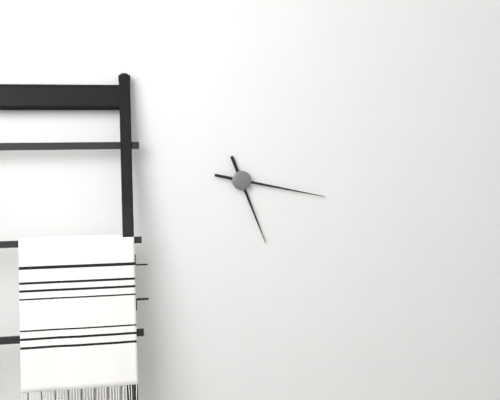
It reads 5h17
